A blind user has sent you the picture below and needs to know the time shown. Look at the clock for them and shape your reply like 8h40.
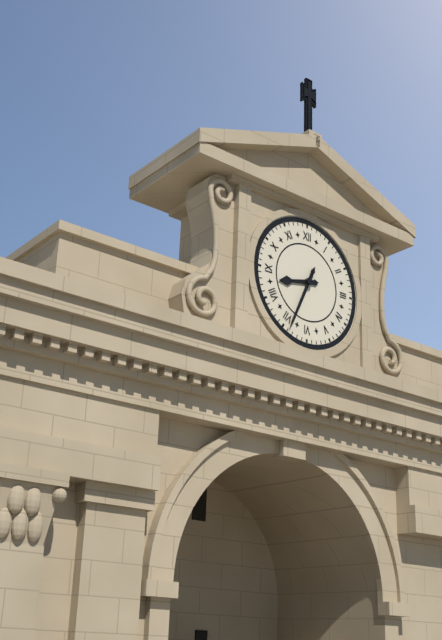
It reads 8h34
